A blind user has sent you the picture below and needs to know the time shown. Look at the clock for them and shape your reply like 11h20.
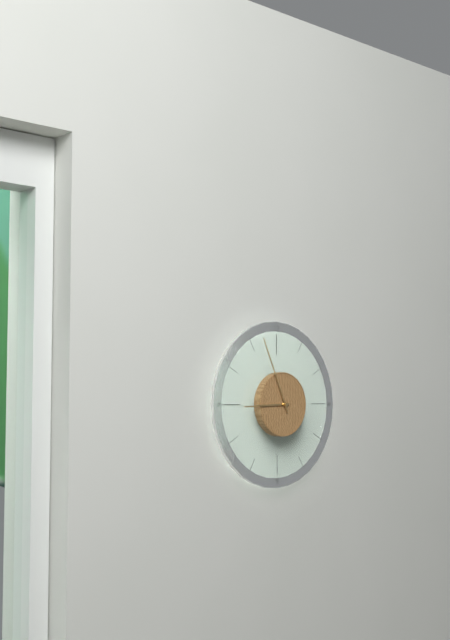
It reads 8h56
